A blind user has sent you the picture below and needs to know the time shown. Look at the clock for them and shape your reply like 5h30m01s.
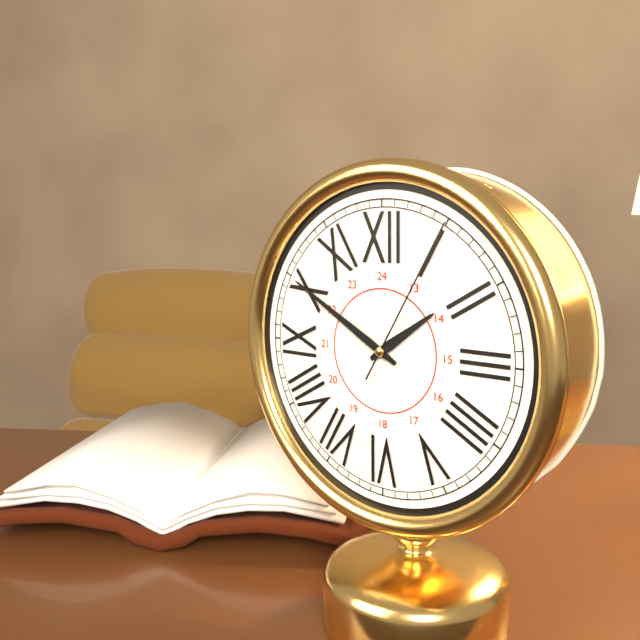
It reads 1h50m05s
